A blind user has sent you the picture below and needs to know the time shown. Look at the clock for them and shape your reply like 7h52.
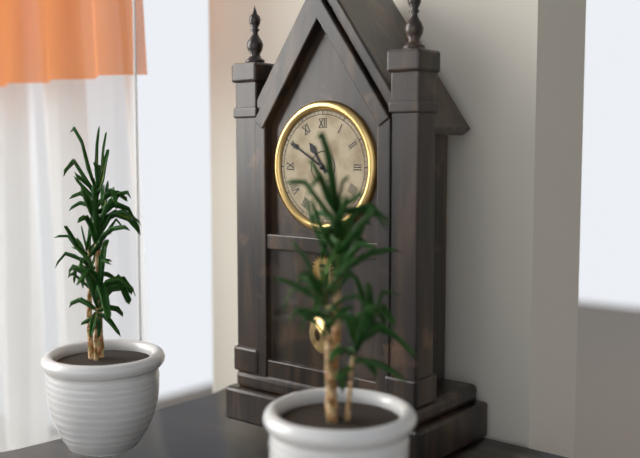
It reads 10h50
